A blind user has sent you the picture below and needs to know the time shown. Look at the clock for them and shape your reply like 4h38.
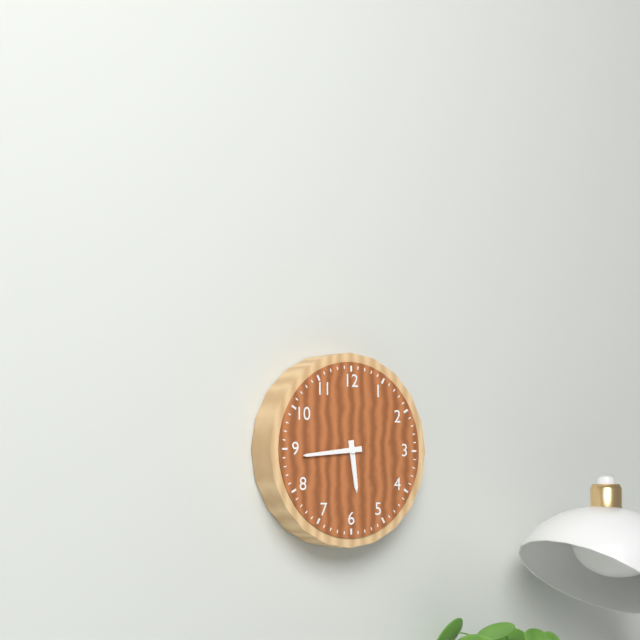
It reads 5h44
